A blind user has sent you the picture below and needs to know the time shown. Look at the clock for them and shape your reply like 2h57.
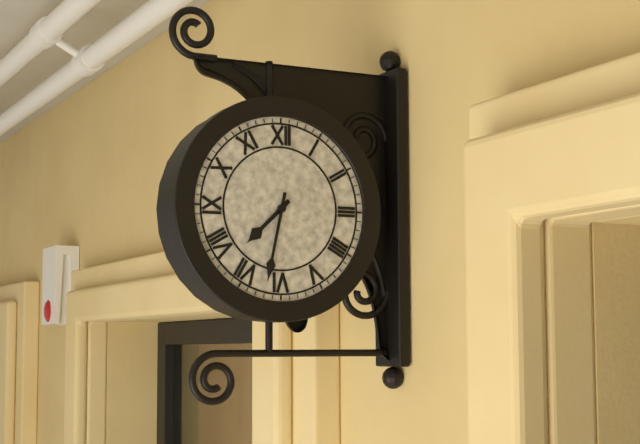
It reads 7h32
